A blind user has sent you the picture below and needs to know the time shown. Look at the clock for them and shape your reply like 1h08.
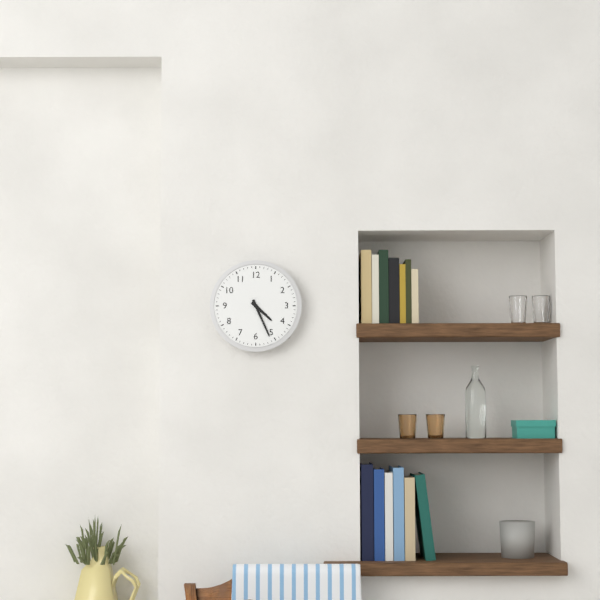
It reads 4h26
